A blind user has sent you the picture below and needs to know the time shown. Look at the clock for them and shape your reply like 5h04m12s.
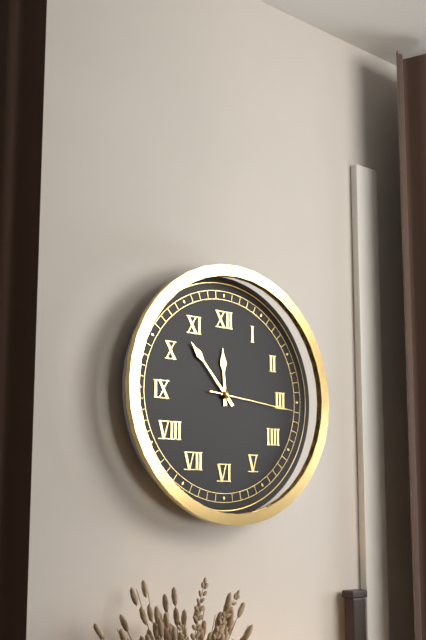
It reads 11h53m16s
